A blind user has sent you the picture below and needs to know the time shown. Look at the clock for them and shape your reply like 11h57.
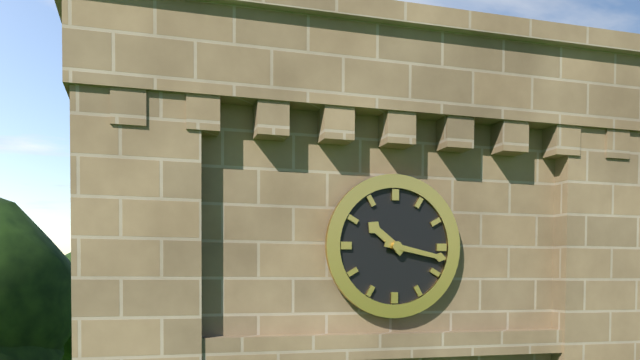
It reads 10h17
